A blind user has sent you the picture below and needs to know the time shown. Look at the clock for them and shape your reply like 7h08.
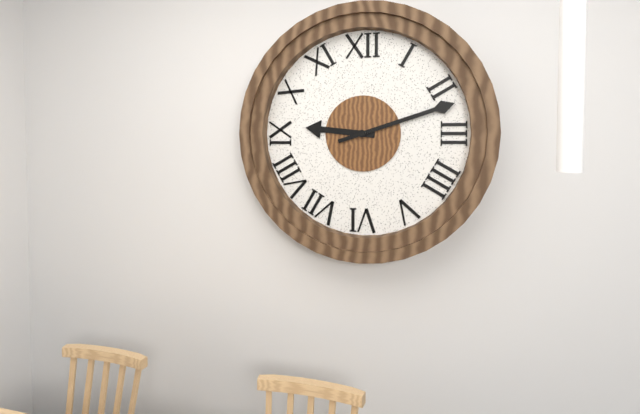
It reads 9h12
